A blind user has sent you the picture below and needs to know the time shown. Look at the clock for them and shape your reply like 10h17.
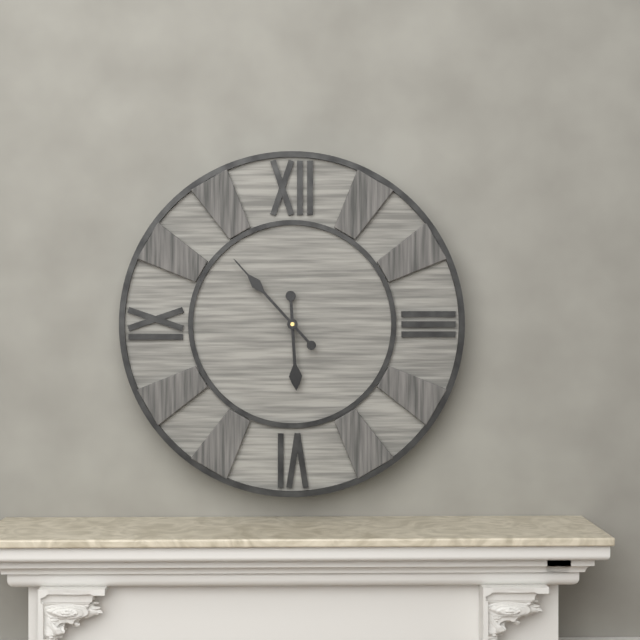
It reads 5h53
